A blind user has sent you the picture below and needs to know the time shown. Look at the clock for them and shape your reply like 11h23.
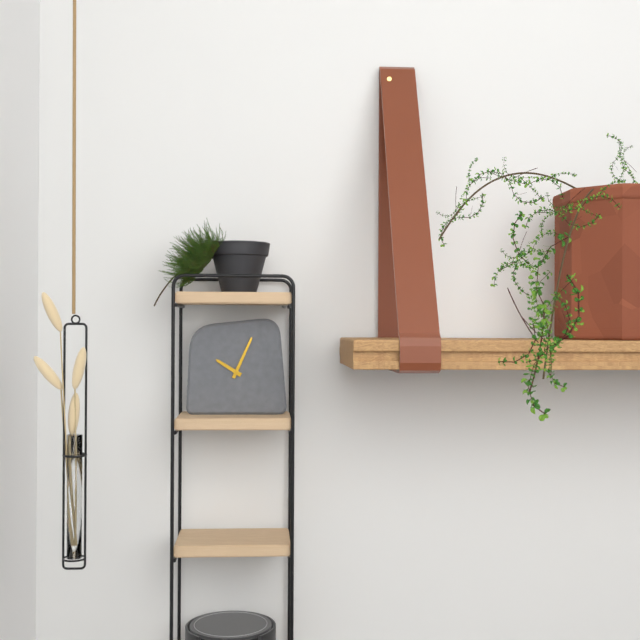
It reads 10h04
